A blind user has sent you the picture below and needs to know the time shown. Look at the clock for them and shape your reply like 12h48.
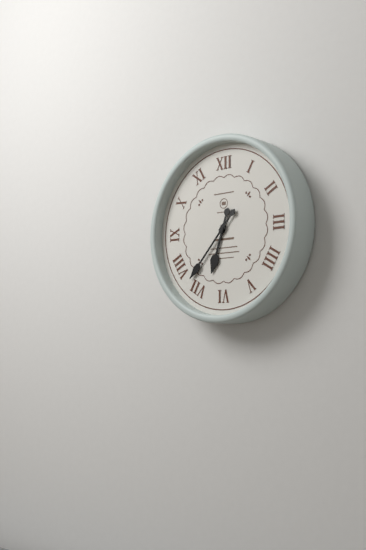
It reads 6h37
